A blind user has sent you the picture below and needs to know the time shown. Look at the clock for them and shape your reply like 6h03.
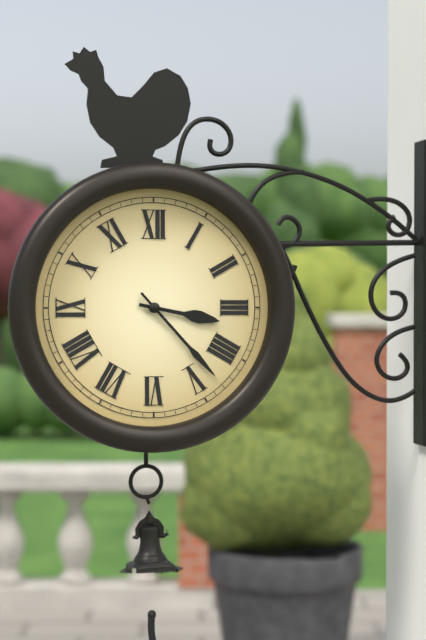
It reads 3h23
